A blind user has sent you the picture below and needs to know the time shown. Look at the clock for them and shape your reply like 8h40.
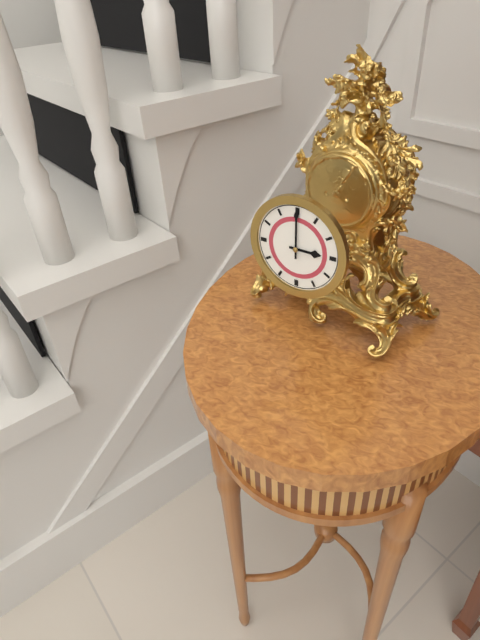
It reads 3h00
